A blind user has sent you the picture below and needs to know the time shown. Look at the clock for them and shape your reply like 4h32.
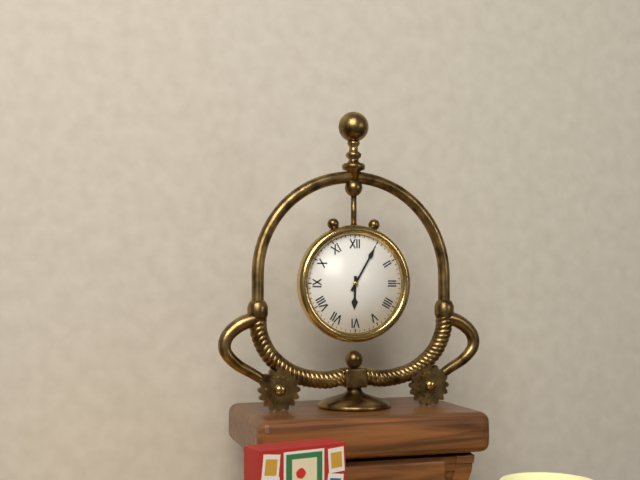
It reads 6h05
